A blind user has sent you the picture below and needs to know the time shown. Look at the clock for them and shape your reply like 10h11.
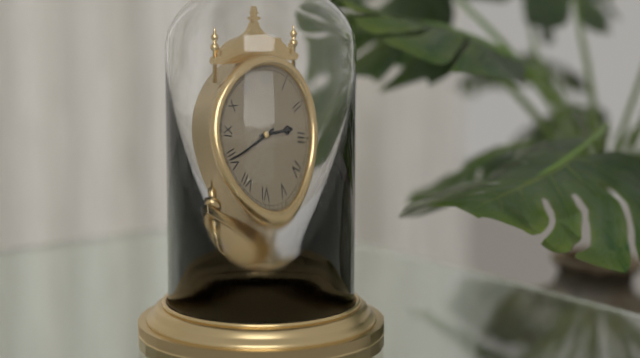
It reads 2h40
